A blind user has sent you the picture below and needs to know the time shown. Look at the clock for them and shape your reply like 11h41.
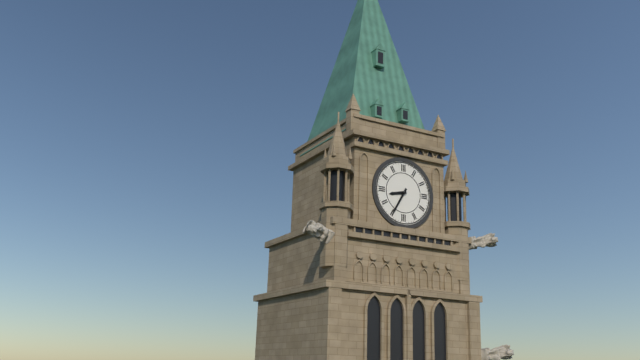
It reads 8h35
